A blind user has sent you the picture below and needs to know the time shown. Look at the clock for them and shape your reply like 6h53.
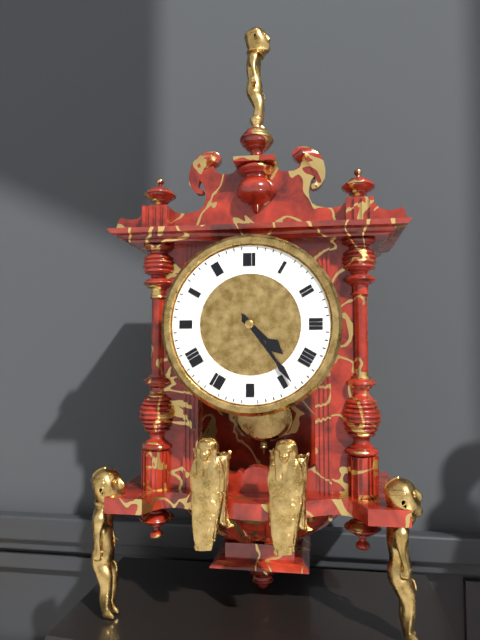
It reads 4h24
